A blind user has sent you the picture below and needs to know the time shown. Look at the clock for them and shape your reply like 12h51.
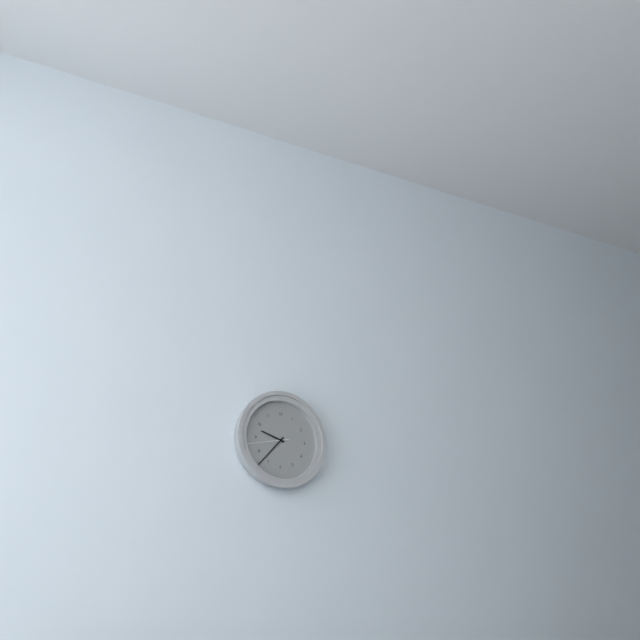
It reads 9h37
